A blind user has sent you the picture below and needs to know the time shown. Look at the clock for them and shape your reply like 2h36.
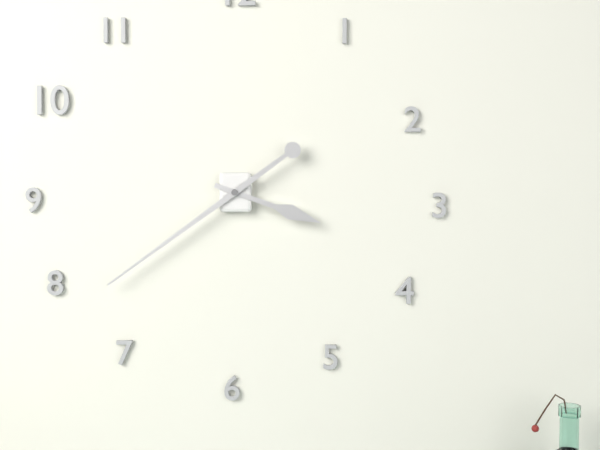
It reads 3h39
